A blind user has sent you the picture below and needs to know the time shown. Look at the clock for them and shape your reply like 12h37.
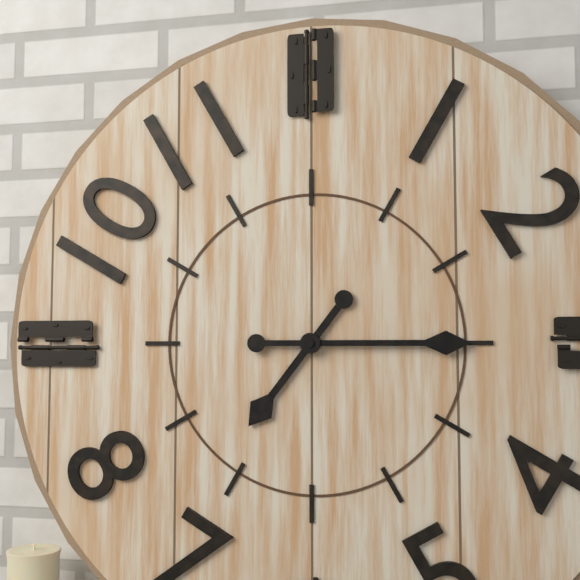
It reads 7h15
